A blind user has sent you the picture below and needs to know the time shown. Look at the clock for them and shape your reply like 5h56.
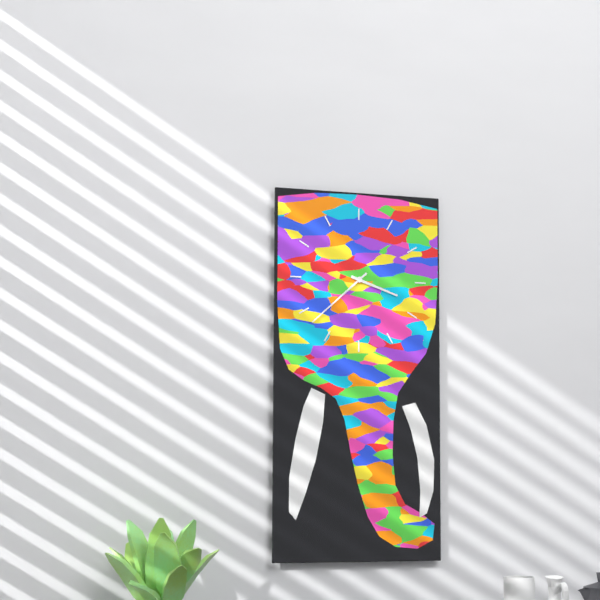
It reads 3h38
